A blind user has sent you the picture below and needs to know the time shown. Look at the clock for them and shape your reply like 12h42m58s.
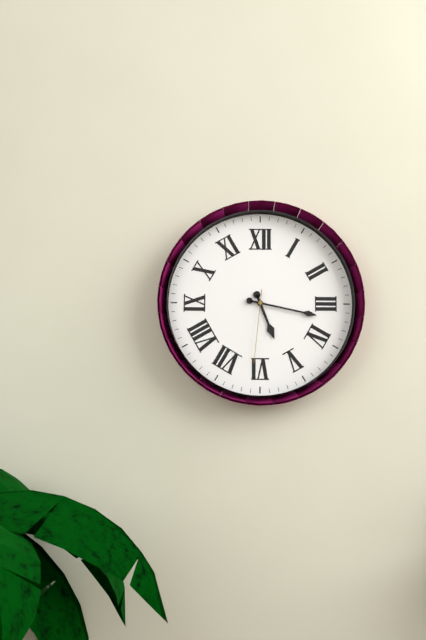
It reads 5h17m31s
